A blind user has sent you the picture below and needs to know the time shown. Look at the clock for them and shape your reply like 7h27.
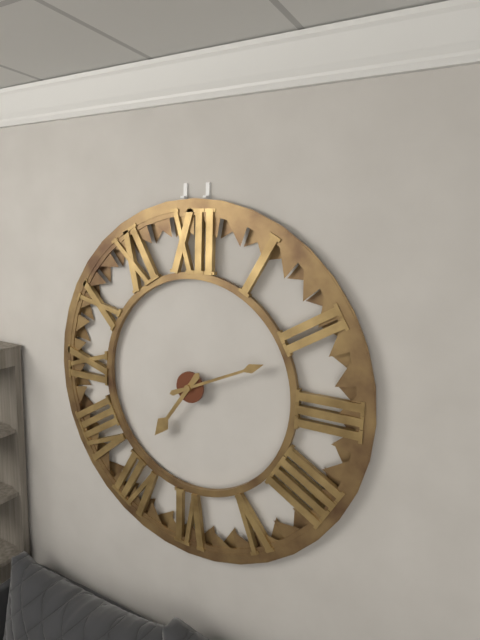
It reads 7h11
